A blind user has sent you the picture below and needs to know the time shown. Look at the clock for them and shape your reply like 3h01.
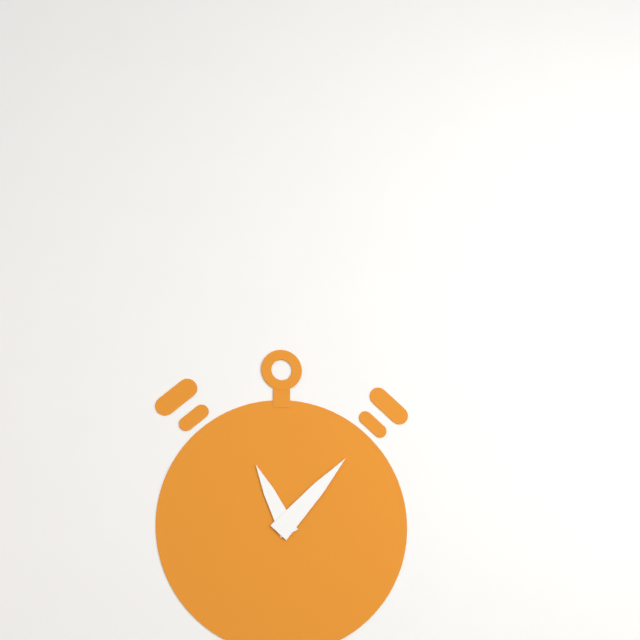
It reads 11h07
